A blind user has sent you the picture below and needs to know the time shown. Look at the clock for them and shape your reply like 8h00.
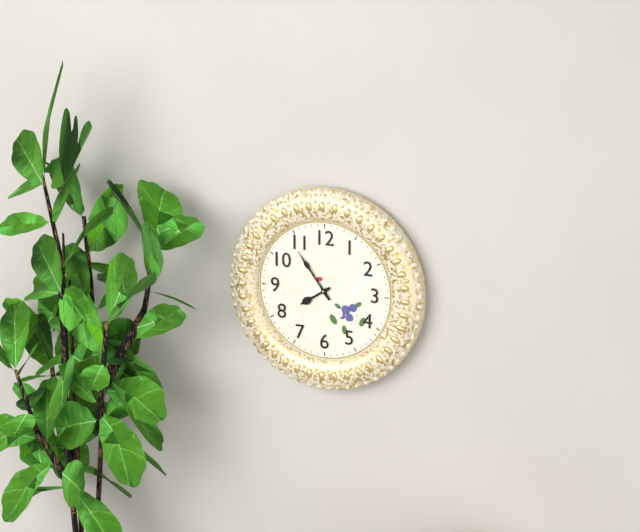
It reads 7h54
